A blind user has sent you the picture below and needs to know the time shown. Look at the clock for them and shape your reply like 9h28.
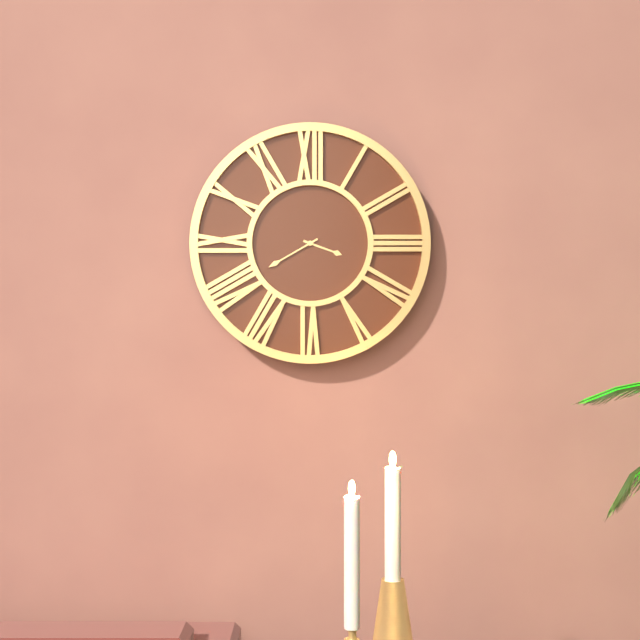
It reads 3h40
